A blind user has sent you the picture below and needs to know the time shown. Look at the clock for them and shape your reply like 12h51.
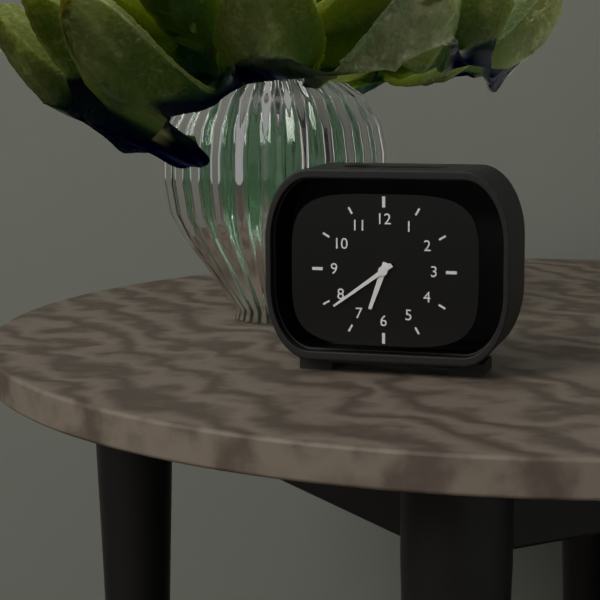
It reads 6h39
